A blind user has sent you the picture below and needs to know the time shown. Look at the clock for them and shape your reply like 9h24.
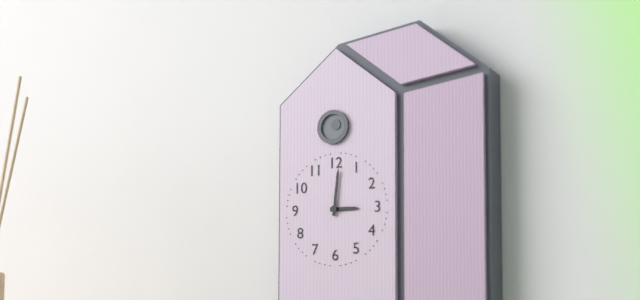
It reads 3h01
